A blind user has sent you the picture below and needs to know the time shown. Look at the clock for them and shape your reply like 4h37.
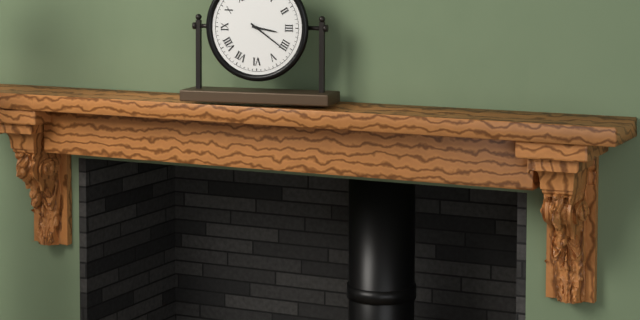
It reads 3h21
